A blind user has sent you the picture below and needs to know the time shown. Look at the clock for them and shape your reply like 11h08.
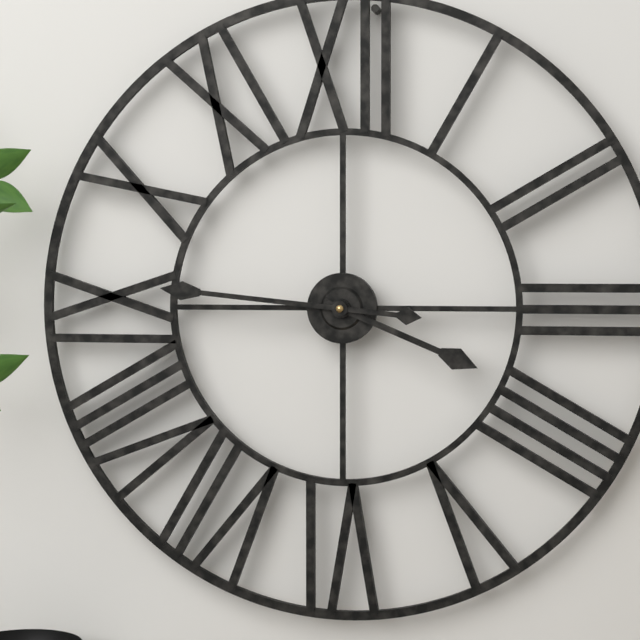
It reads 3h46
